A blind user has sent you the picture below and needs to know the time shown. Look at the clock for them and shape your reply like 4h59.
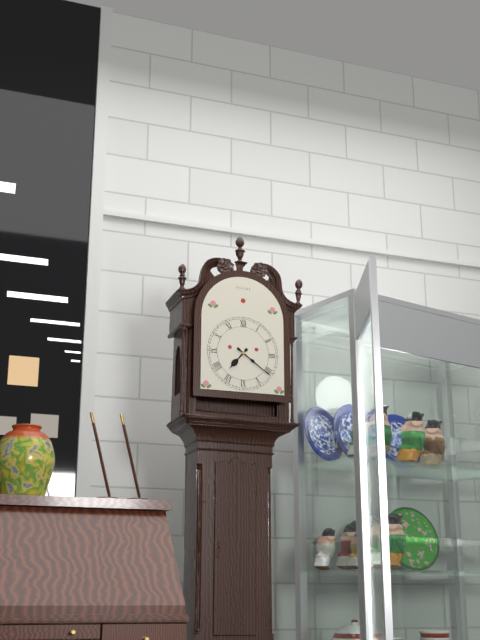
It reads 7h21
